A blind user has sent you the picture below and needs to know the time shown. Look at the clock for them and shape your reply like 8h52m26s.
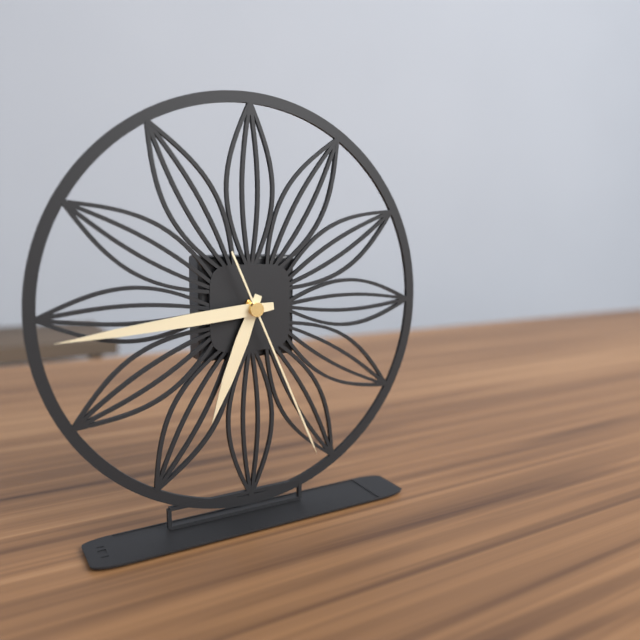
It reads 6h44m26s
